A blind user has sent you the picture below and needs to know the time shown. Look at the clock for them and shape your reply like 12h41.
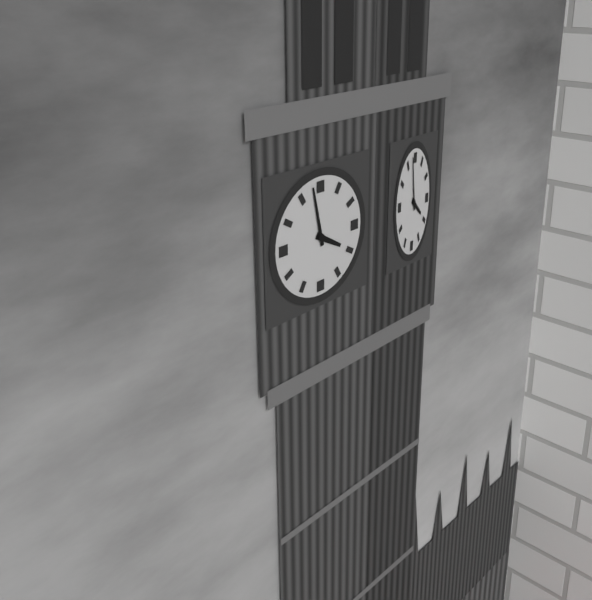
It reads 3h58
